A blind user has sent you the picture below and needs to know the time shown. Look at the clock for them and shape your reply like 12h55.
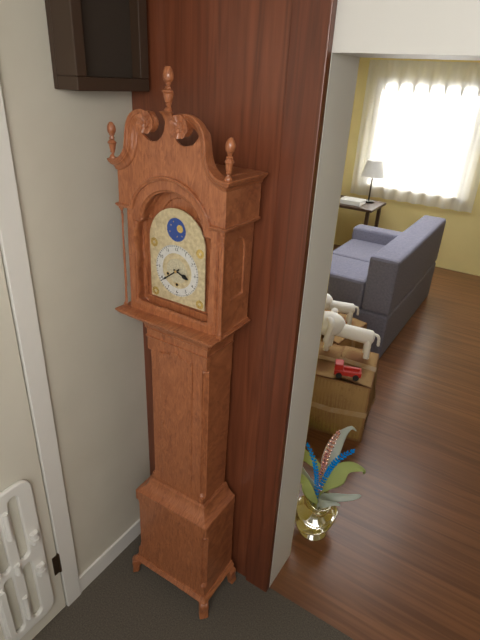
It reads 3h39
